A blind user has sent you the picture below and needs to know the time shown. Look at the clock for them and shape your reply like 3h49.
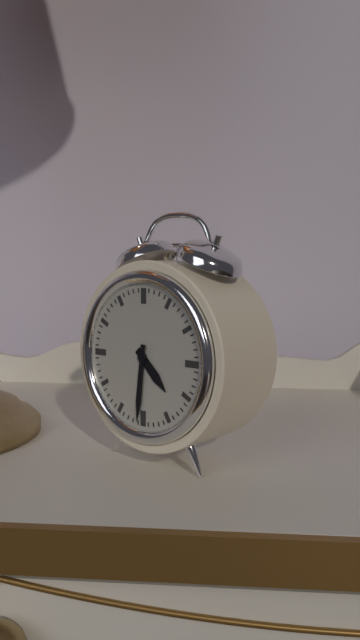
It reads 4h31
